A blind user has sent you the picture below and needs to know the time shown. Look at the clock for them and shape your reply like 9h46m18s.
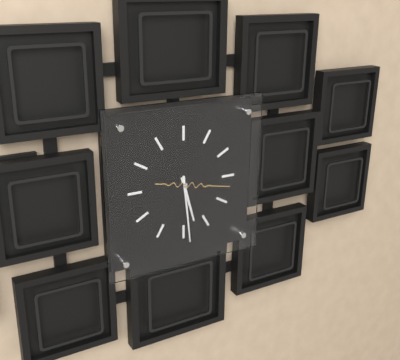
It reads 5h29m17s
